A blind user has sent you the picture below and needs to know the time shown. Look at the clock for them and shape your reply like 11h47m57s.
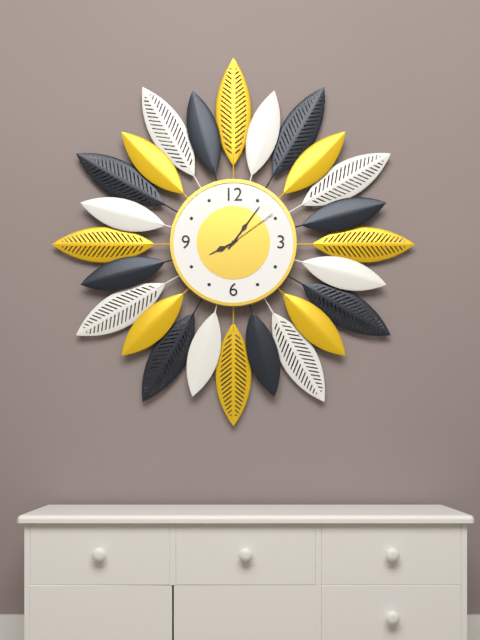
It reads 8h06m09s
